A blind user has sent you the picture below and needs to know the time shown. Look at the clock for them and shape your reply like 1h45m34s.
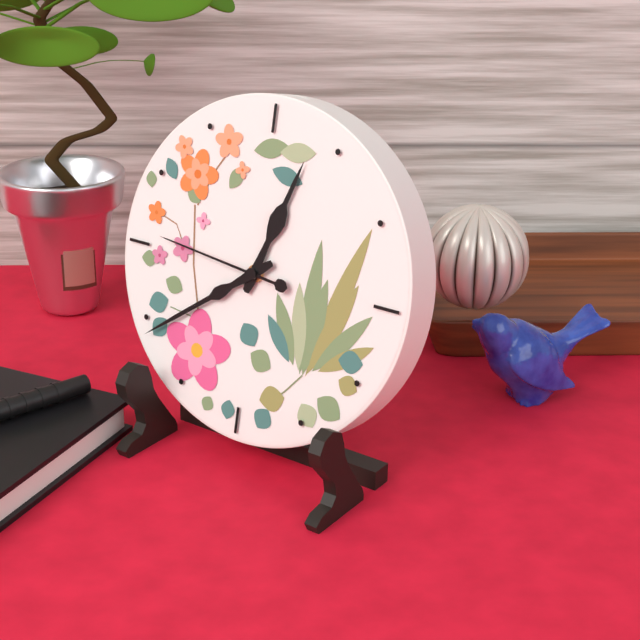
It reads 12h39m46s
